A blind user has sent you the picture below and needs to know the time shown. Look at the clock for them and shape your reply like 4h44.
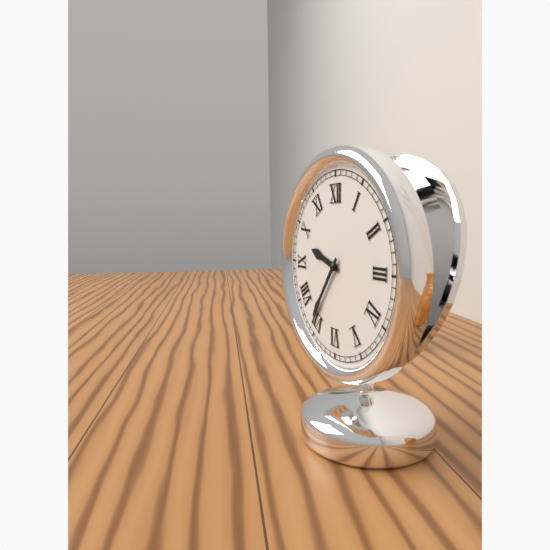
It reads 9h36
